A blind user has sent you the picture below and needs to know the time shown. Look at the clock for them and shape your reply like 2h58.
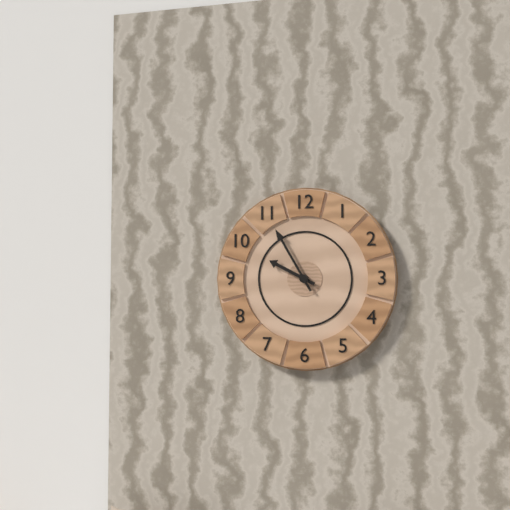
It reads 9h55
